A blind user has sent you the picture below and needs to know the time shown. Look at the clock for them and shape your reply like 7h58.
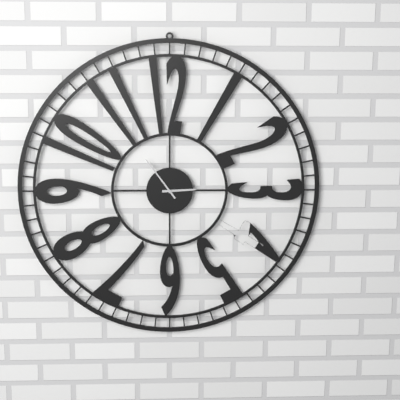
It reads 2h54
